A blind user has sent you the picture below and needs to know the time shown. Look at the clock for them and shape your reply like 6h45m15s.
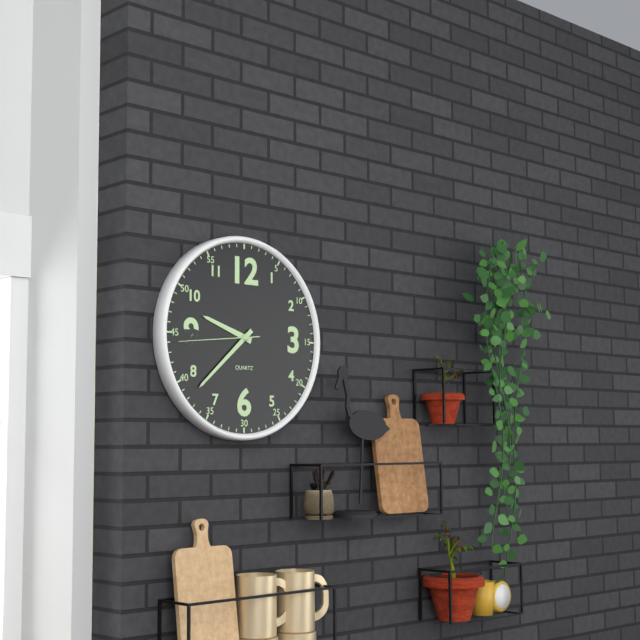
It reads 9h38m44s
